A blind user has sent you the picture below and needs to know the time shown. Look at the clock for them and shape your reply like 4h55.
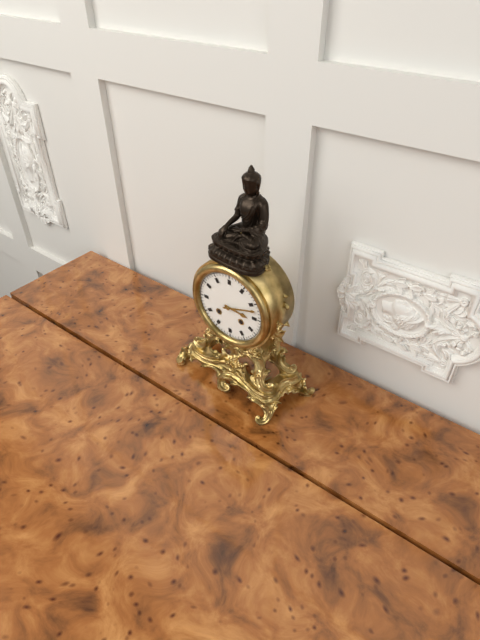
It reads 3h12
